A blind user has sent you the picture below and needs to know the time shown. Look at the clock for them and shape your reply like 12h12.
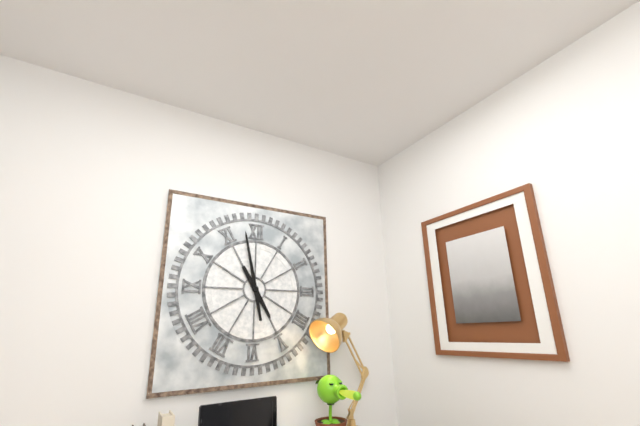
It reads 4h58
